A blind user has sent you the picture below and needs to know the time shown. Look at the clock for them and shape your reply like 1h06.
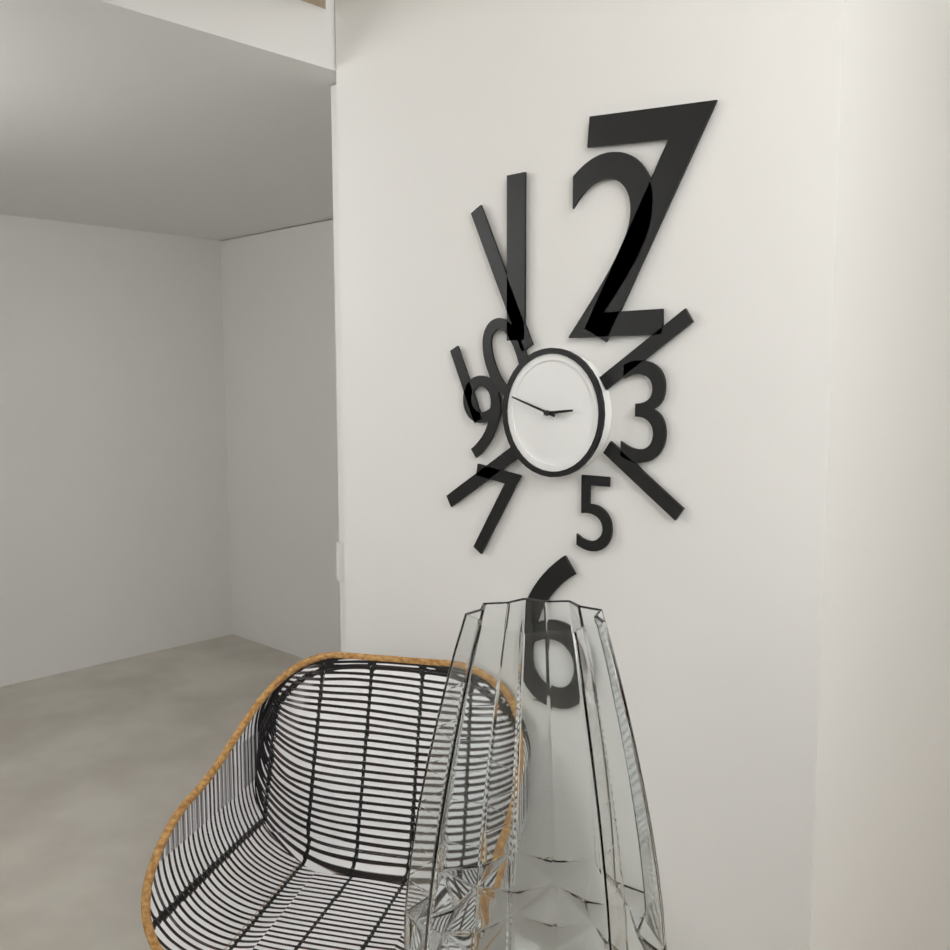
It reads 2h48
